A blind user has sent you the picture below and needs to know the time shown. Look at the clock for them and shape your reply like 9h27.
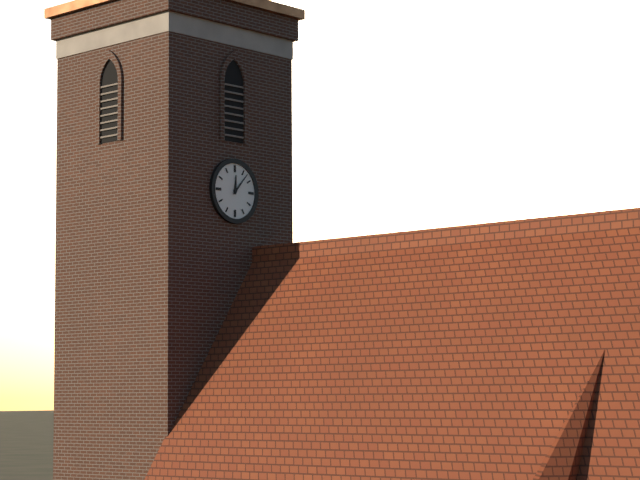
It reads 12h07
